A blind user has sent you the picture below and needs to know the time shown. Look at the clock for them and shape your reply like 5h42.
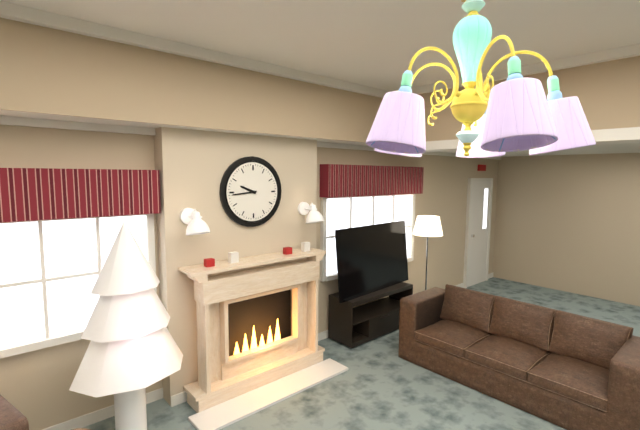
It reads 9h44
